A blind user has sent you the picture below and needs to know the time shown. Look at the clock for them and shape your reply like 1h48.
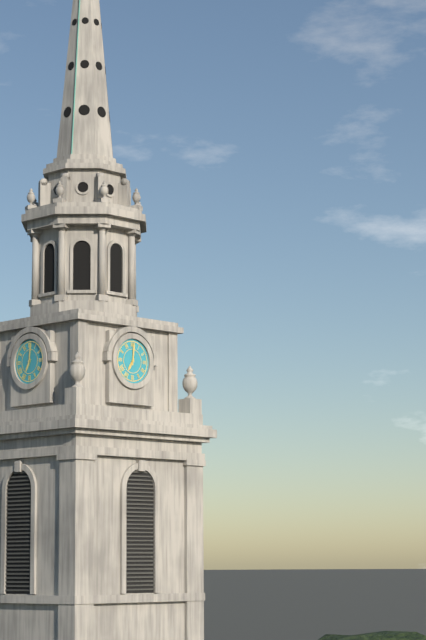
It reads 7h01
